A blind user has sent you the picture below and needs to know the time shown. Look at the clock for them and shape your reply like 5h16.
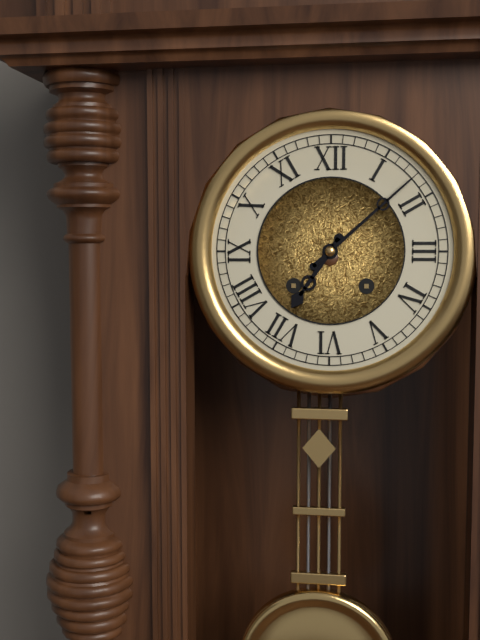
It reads 7h08
